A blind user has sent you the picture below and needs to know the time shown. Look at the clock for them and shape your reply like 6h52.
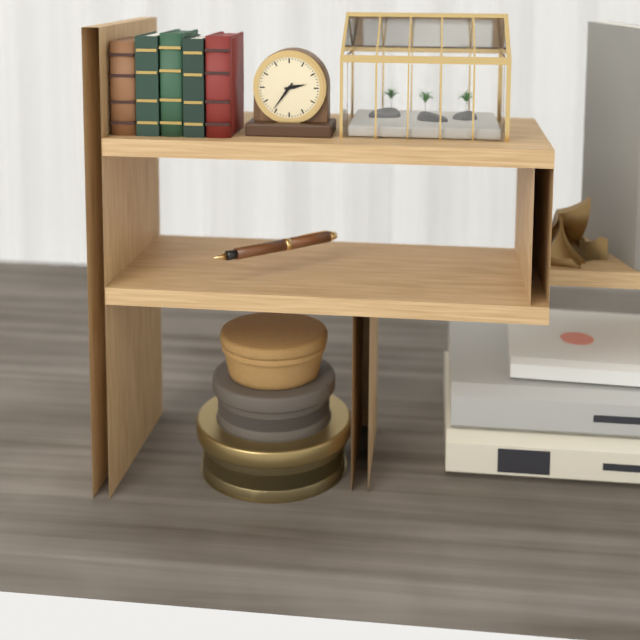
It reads 2h36
